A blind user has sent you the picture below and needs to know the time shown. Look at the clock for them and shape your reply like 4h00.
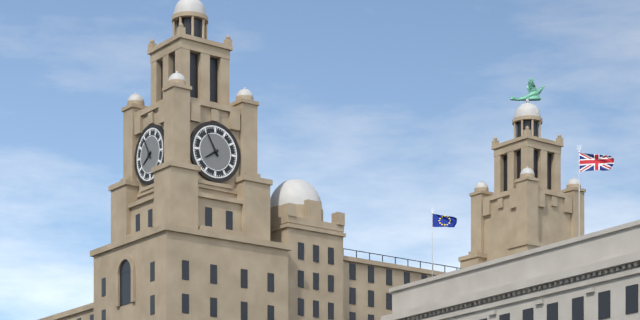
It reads 7h55
